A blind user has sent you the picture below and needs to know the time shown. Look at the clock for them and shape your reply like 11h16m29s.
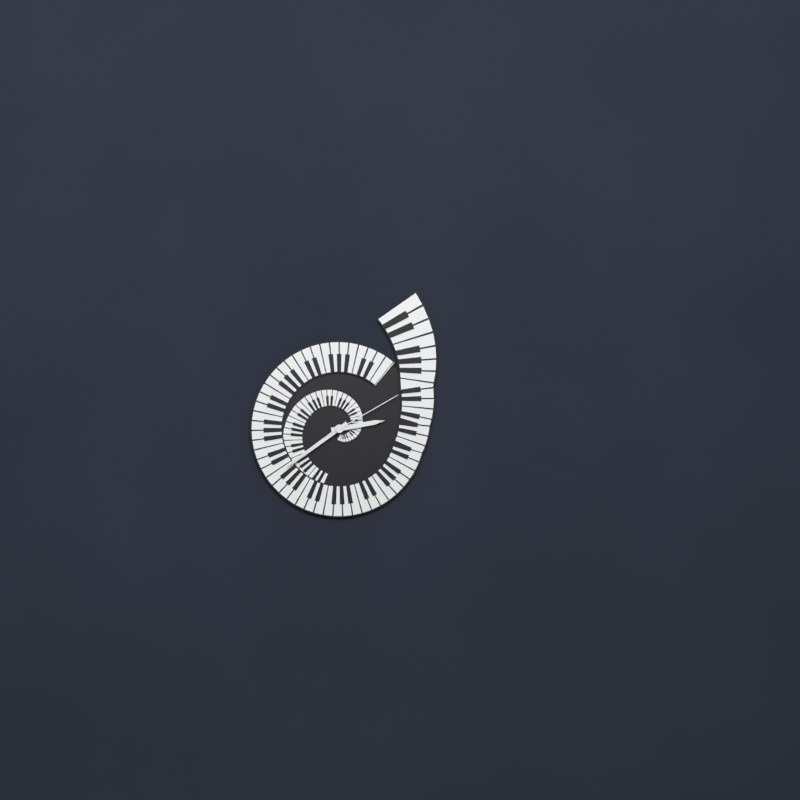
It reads 2h39m10s
